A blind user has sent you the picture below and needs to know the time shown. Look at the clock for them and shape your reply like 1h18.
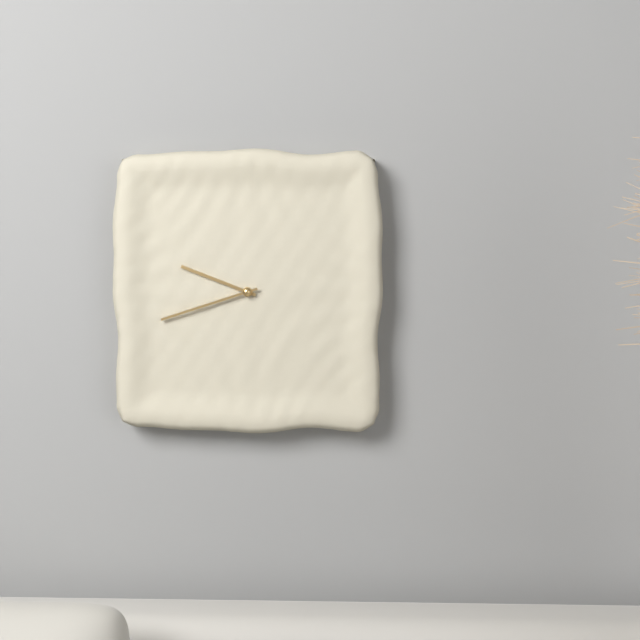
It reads 9h42
